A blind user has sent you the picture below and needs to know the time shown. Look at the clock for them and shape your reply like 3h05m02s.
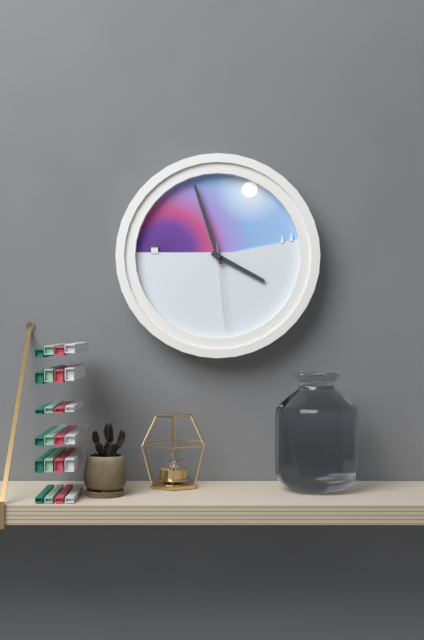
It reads 3h57m29s
